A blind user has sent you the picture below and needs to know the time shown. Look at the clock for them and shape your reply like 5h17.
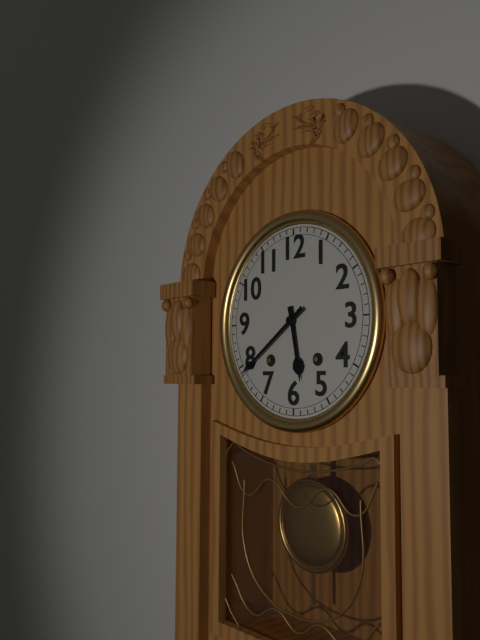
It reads 5h39
